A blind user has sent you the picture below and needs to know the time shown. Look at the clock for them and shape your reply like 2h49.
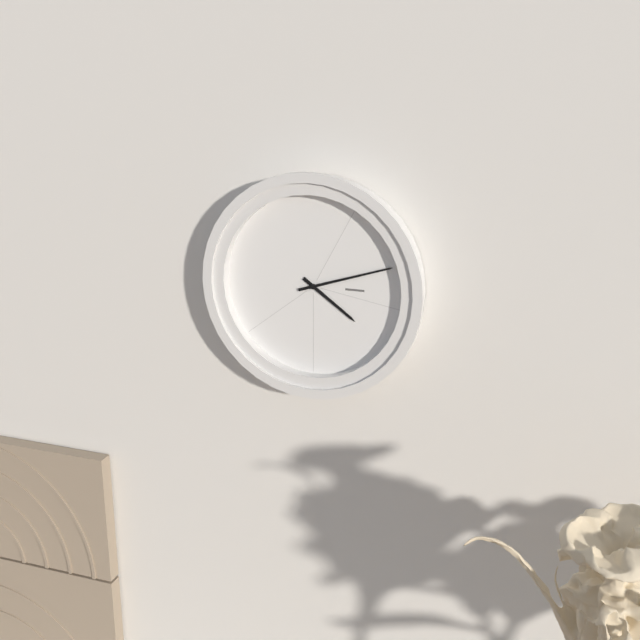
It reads 4h12
